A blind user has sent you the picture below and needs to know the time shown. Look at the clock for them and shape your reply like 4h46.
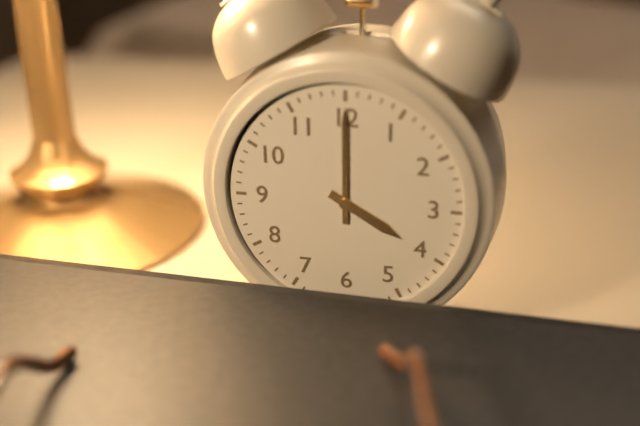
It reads 4h00
